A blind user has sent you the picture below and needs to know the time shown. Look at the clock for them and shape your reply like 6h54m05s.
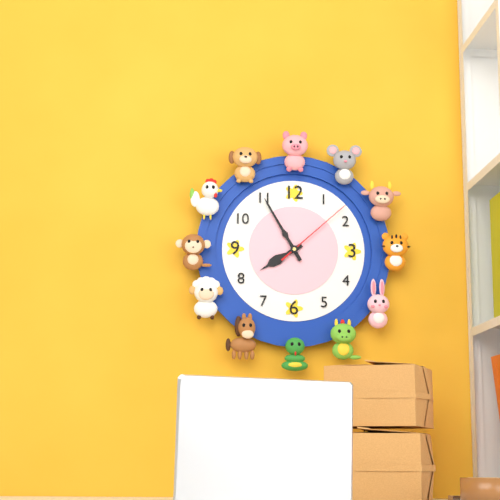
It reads 7h55m08s
